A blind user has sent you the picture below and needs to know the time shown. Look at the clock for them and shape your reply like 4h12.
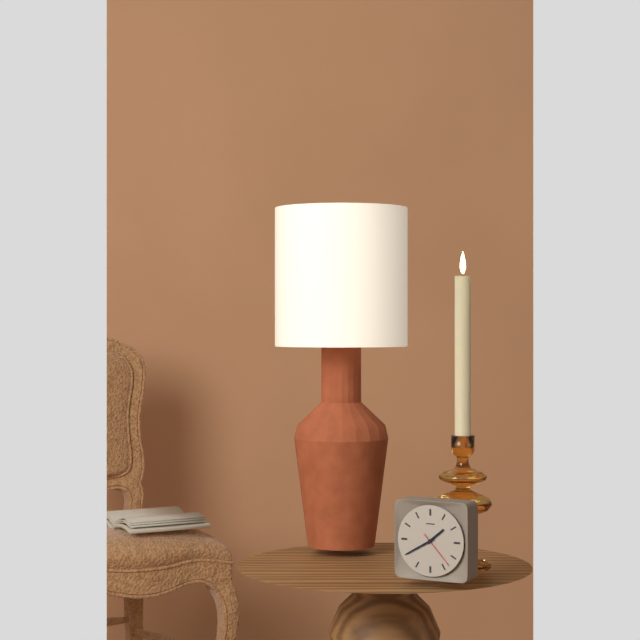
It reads 1h40
